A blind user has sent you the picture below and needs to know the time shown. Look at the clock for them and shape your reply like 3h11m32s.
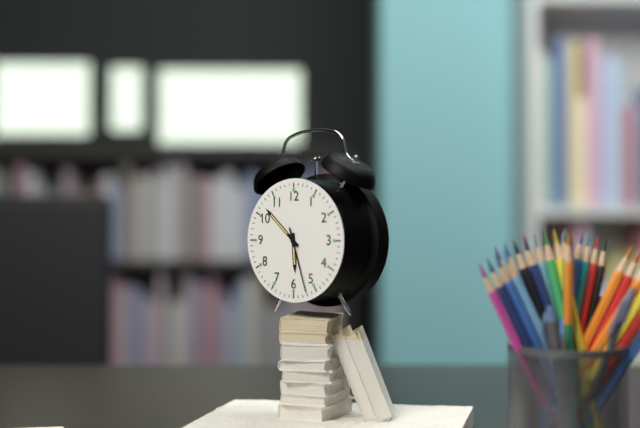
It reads 5h52m27s
